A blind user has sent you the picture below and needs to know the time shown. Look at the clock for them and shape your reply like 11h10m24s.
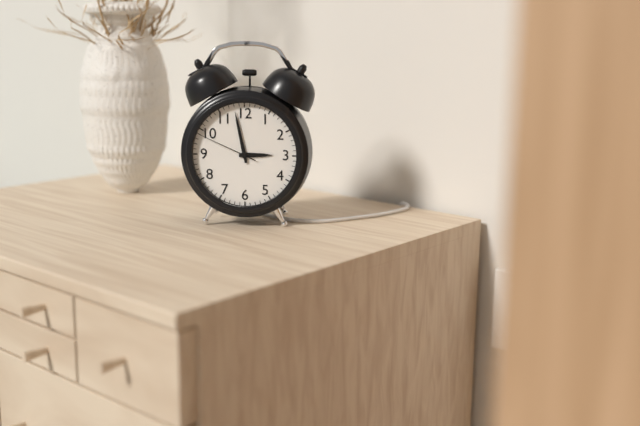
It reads 2h58m49s
